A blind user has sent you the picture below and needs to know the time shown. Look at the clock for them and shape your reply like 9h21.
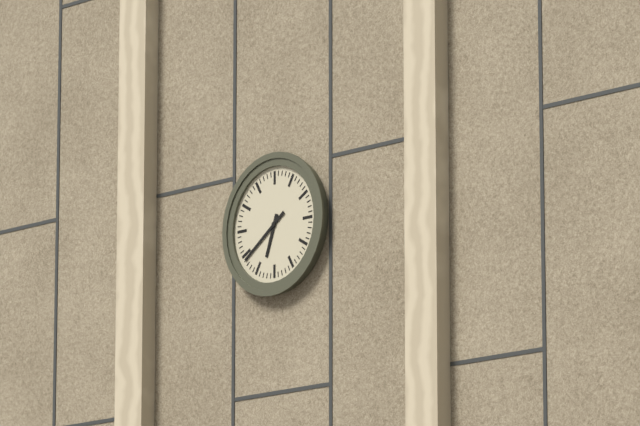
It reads 6h39
